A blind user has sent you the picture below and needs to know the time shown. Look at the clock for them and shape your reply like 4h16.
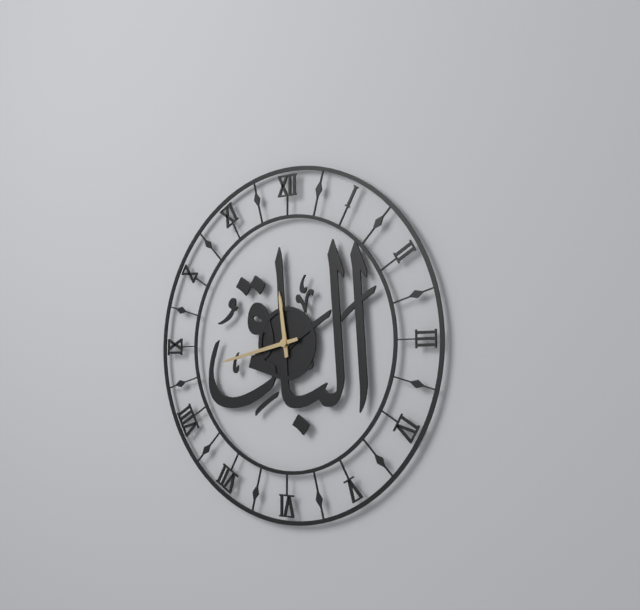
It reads 11h43
